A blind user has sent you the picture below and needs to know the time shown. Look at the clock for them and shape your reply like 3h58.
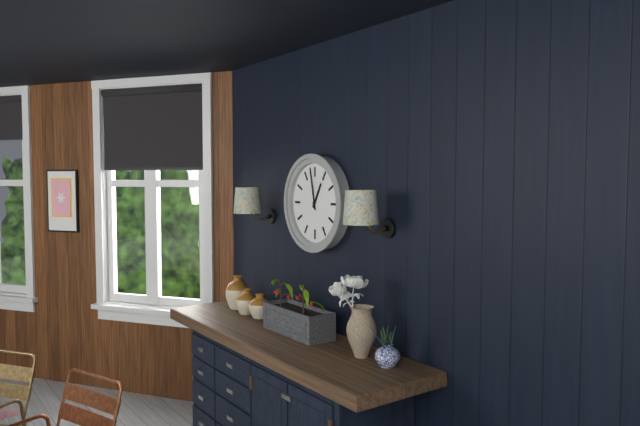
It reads 12h58
